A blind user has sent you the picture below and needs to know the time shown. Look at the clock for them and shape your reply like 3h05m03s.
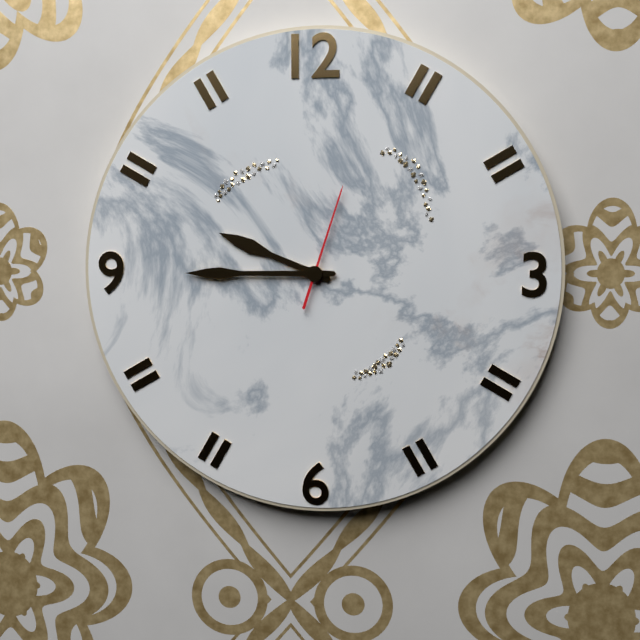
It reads 9h45m03s
